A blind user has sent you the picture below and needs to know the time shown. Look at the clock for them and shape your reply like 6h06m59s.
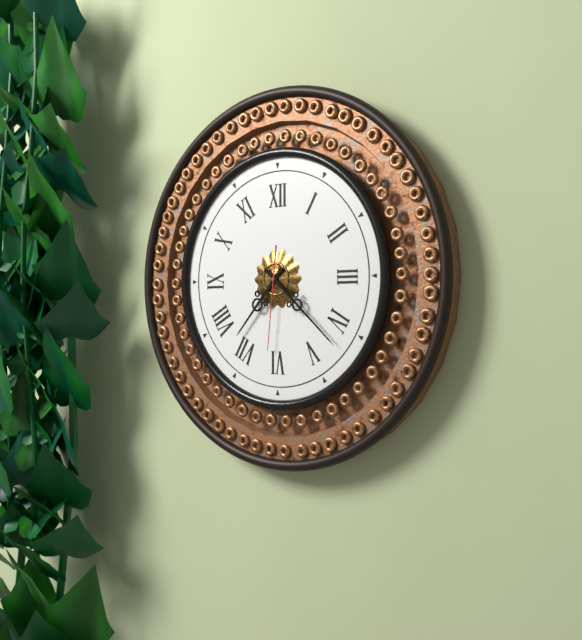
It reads 7h22m31s
